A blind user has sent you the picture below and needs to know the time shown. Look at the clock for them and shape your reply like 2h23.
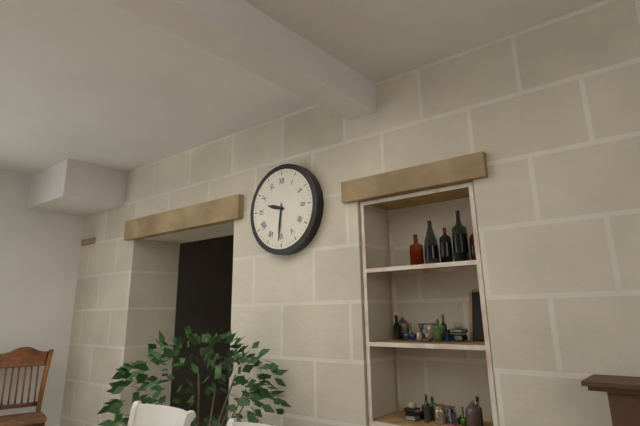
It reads 9h31
